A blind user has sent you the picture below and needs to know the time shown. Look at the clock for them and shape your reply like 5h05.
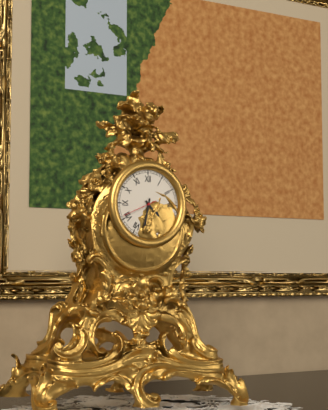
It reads 4h32
